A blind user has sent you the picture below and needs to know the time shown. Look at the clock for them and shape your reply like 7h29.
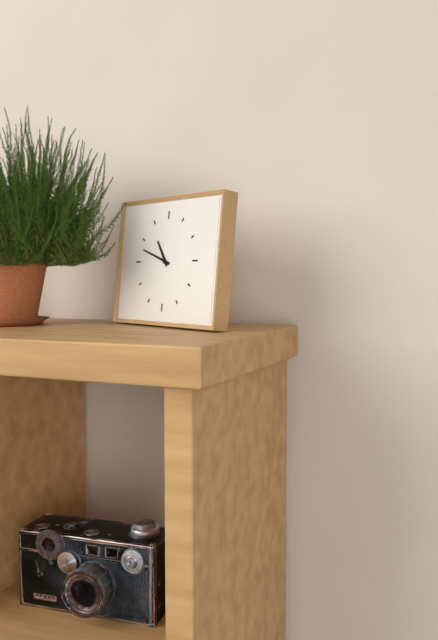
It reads 10h48
